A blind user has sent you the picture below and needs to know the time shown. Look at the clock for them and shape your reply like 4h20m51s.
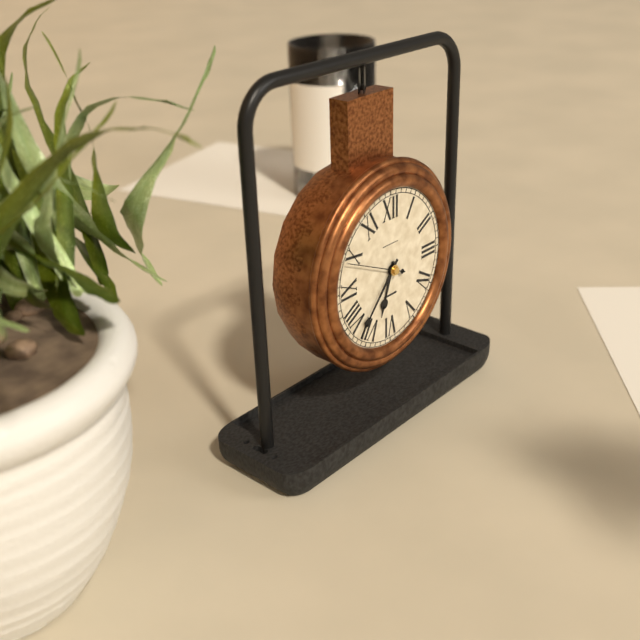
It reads 6h37m49s
